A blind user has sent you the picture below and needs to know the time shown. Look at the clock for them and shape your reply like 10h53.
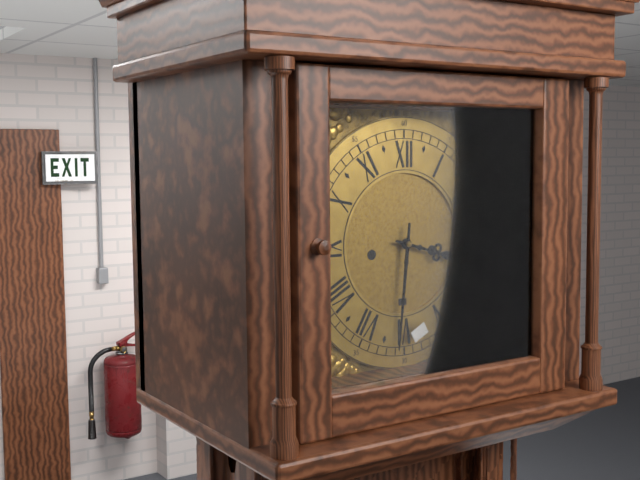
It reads 3h31
